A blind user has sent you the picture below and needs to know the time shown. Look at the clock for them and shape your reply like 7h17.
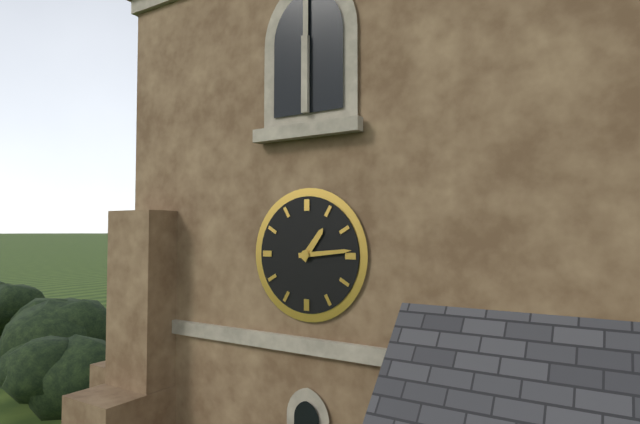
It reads 1h14
